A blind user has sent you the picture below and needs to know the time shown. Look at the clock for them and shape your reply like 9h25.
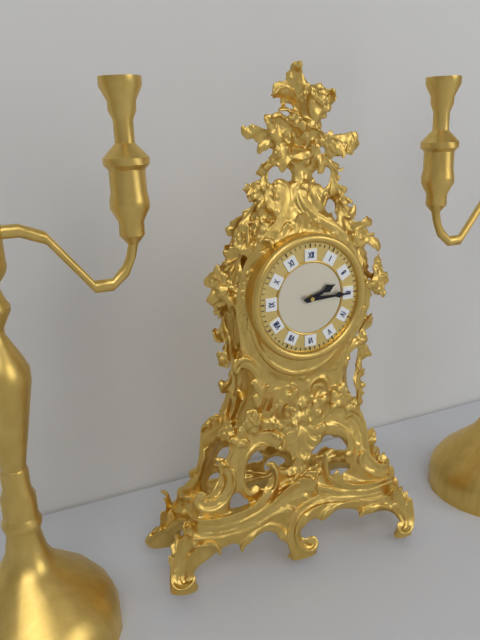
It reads 2h15
